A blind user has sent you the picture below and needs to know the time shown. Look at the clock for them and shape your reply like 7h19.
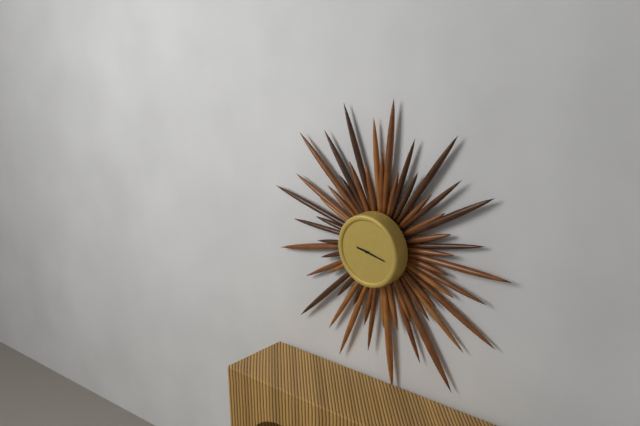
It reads 9h17
